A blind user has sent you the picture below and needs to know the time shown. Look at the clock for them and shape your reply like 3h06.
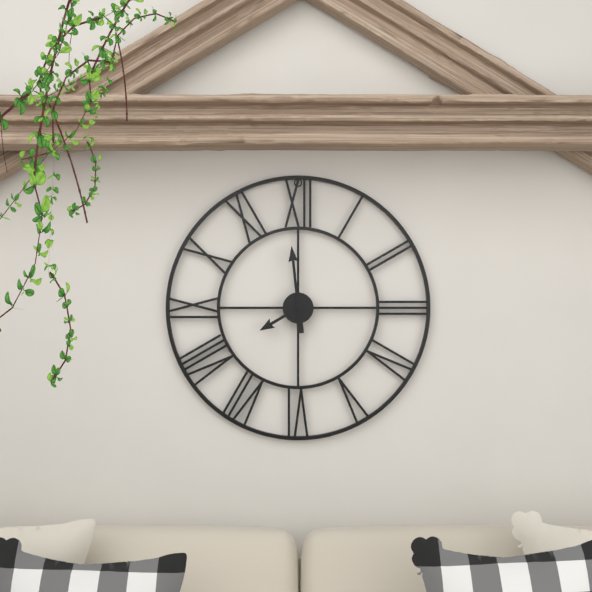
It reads 7h59
